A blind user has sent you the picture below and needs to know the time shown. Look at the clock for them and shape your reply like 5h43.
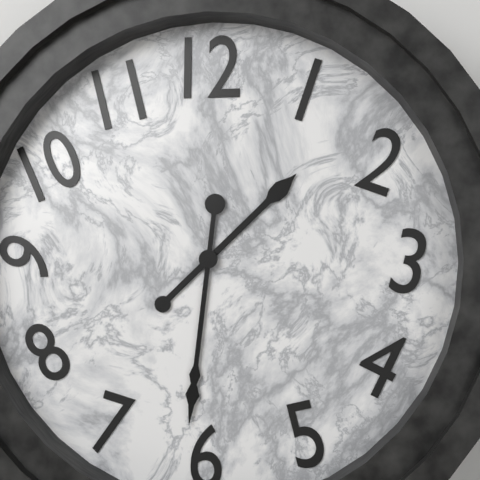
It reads 1h31
